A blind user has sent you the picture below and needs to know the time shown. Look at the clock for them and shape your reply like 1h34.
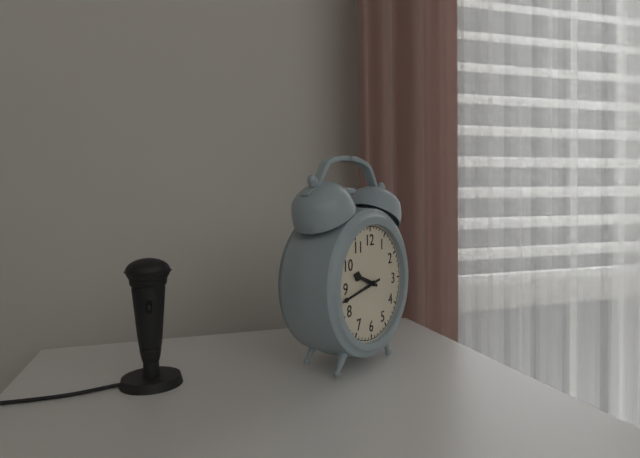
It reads 9h43
